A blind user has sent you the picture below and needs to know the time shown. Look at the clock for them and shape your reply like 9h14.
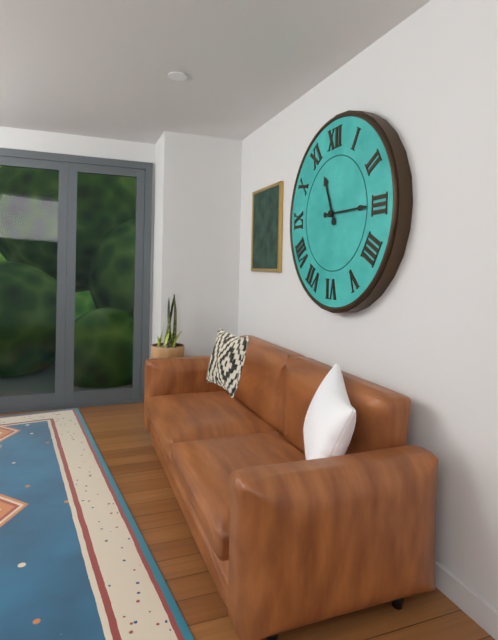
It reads 11h15
